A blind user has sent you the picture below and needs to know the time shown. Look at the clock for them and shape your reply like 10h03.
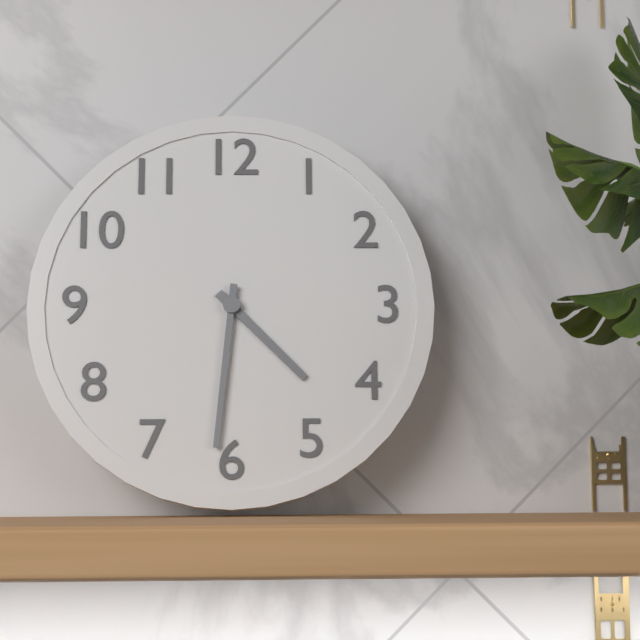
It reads 4h31
